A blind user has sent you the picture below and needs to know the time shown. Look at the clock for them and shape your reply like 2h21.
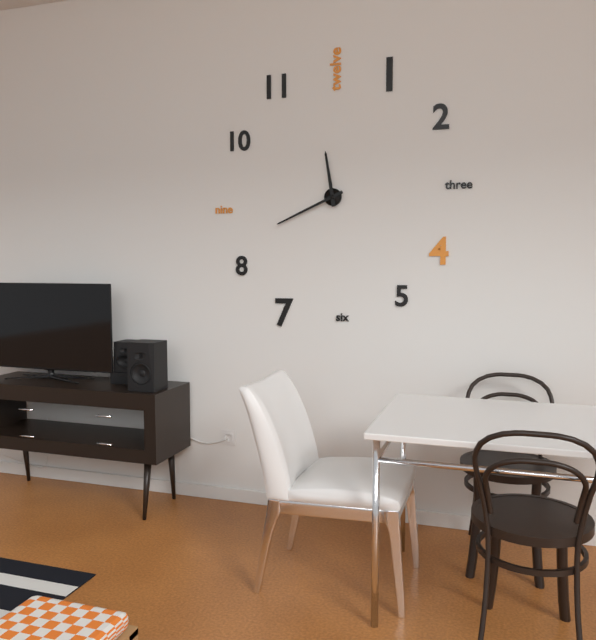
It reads 11h41
